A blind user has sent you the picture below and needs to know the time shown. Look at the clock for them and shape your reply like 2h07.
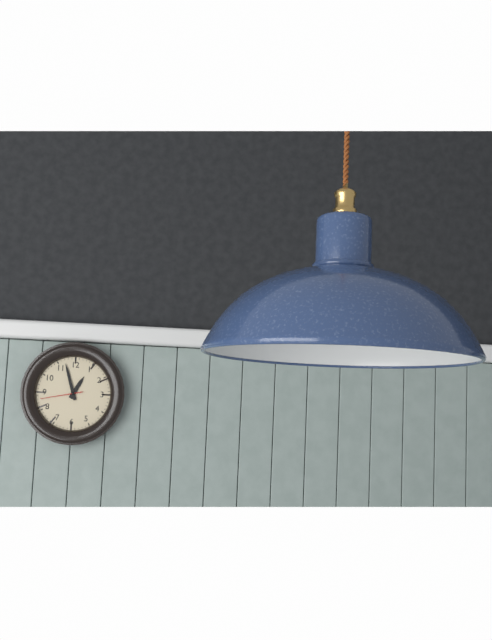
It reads 12h57
